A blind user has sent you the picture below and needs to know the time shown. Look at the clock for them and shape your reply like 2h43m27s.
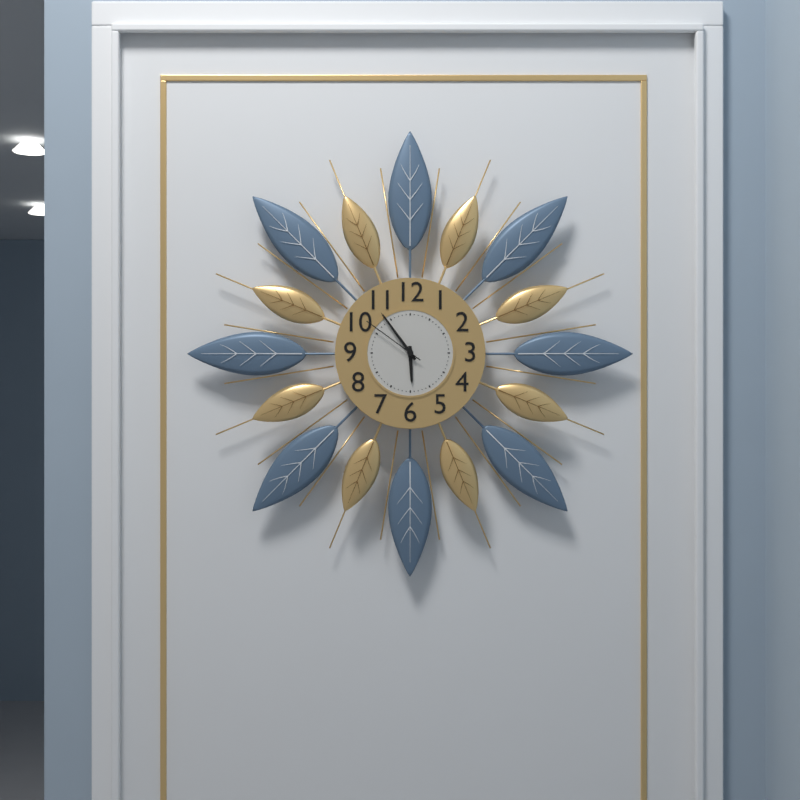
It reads 5h54m51s
